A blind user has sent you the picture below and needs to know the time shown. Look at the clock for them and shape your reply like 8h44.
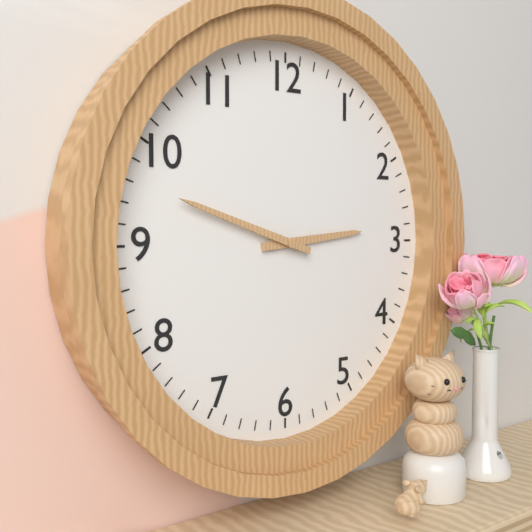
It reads 2h48
